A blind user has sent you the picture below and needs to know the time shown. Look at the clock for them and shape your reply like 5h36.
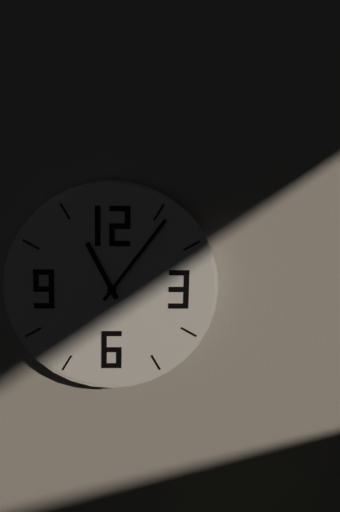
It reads 11h06
